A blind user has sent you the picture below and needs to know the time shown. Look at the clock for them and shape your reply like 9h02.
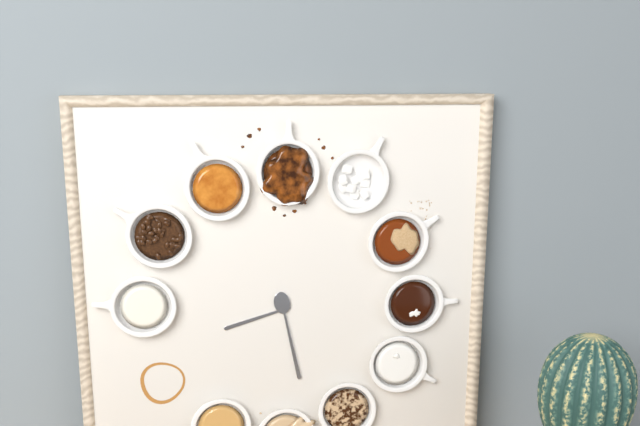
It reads 8h28
